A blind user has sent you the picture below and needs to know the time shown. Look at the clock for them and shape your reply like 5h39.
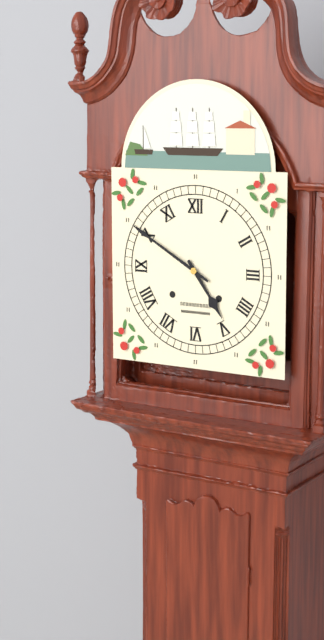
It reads 4h50
